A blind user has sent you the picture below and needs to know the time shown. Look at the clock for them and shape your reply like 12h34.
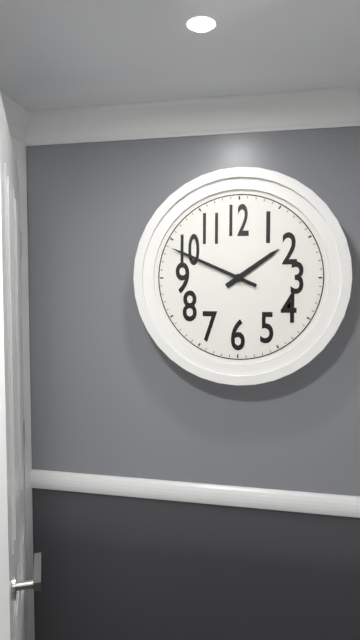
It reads 1h49
